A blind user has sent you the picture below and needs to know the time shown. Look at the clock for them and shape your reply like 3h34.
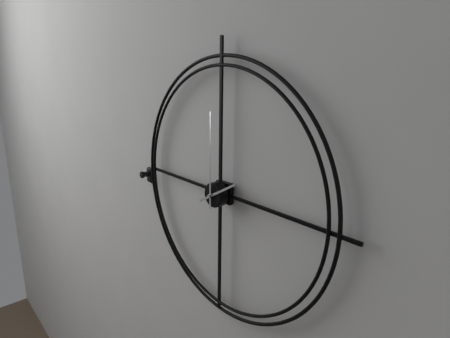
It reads 2h00
